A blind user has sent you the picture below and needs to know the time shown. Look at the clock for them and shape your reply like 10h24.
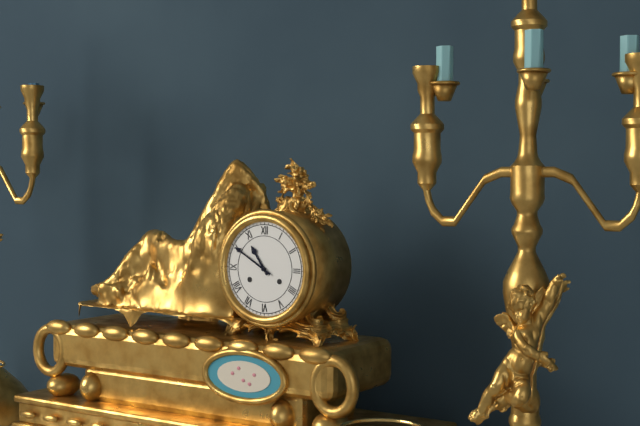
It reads 10h50
